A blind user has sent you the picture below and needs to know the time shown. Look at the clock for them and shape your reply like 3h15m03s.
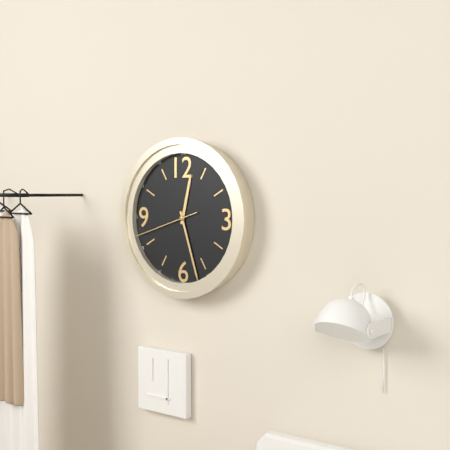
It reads 12h27m42s
